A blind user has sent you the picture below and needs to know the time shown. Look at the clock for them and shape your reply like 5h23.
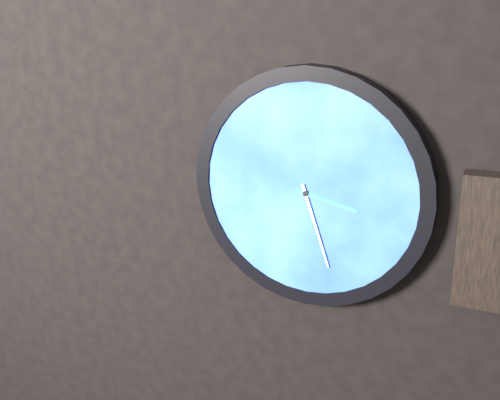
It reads 3h27
